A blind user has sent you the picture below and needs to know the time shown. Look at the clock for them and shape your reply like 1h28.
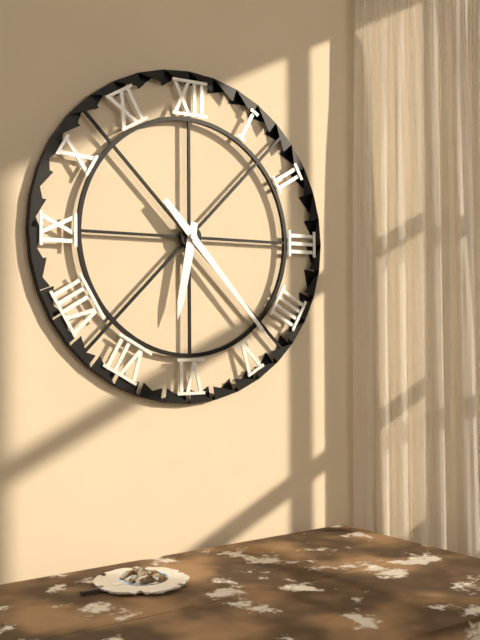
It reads 6h23
